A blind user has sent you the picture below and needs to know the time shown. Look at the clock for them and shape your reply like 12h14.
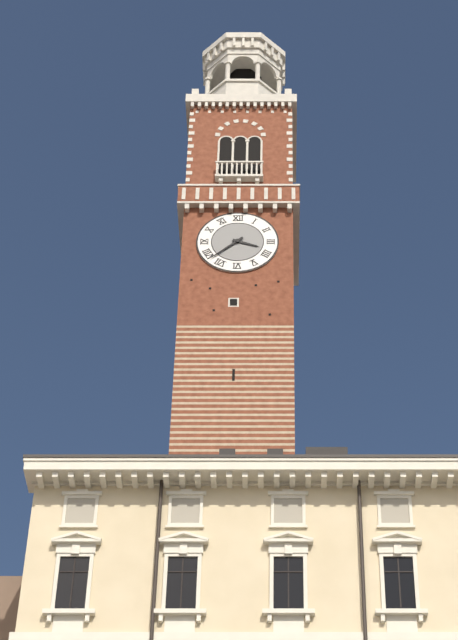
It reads 3h38
